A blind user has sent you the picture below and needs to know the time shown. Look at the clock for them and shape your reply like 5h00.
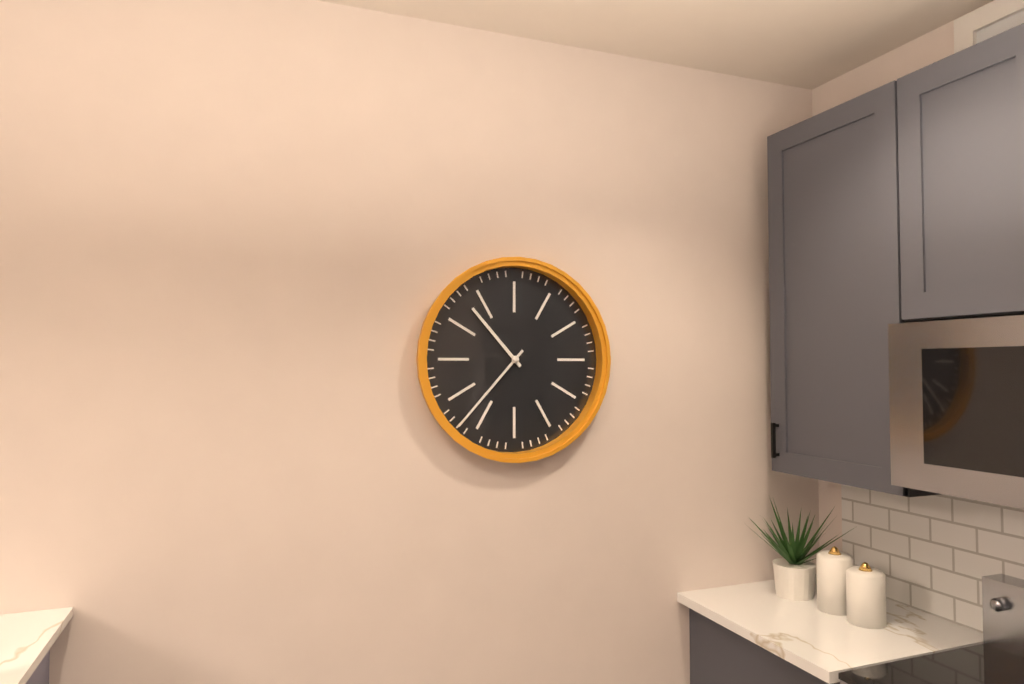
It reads 10h37
